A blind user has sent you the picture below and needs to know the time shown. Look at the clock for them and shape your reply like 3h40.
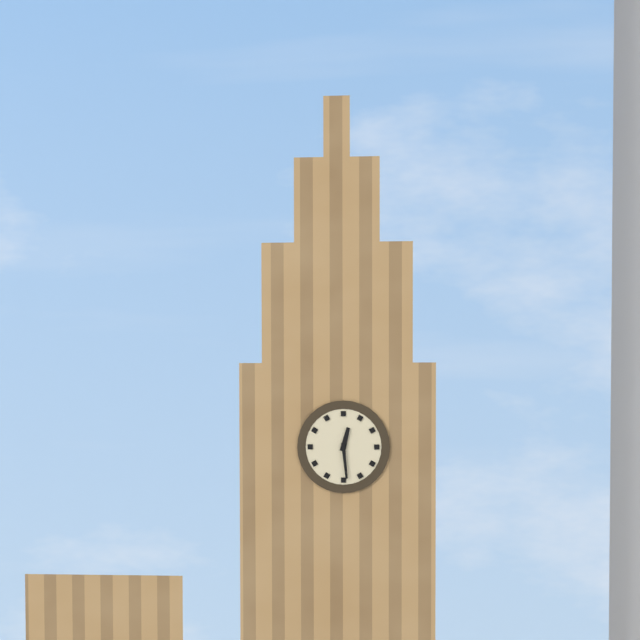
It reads 12h29
